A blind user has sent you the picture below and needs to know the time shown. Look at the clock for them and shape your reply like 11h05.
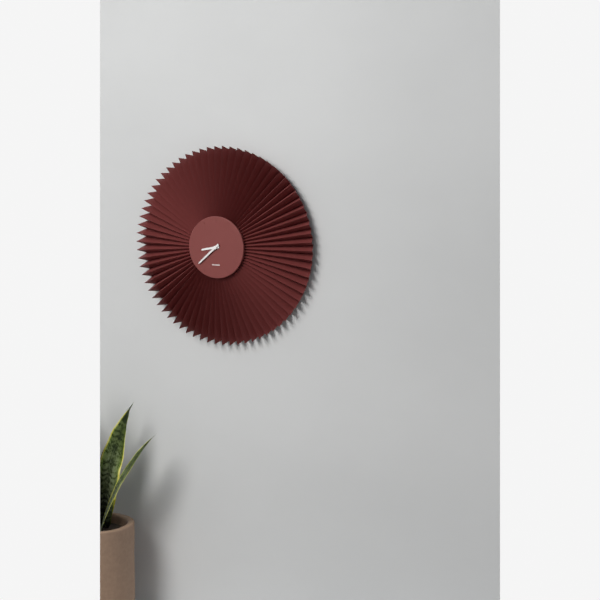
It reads 8h38
